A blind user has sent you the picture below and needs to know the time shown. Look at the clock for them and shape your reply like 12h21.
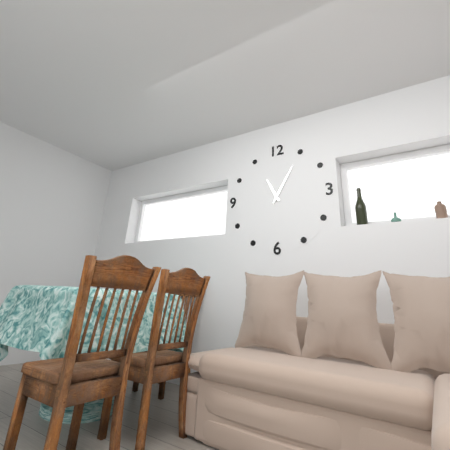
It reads 11h05
